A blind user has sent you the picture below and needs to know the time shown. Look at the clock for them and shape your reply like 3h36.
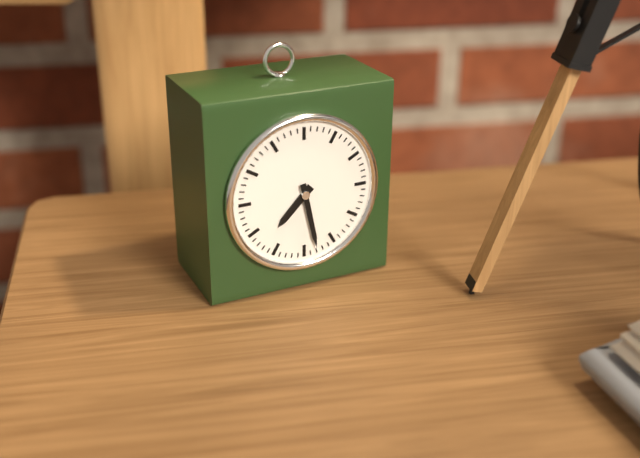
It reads 7h28
